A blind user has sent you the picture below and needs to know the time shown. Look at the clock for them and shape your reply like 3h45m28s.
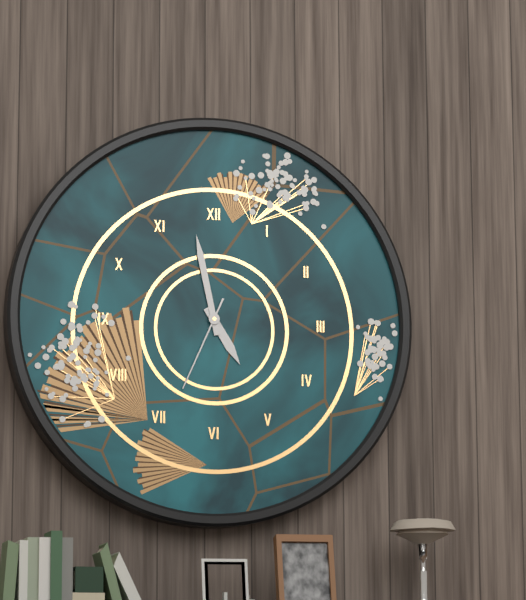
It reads 4h58m34s
